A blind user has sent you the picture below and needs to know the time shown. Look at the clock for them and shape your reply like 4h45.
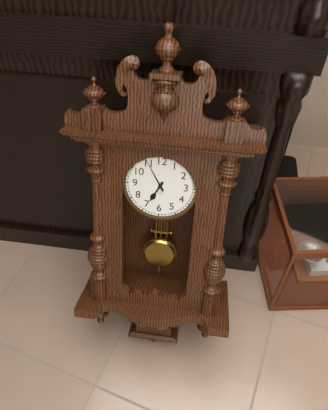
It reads 6h55
